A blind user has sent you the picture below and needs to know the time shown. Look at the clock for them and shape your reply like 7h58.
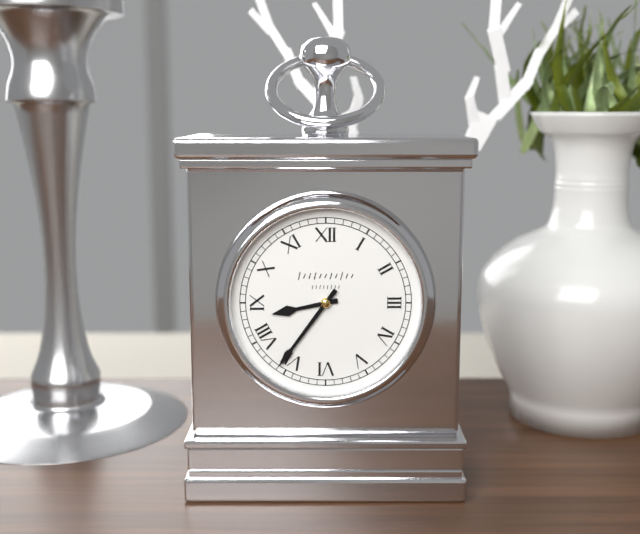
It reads 8h36
